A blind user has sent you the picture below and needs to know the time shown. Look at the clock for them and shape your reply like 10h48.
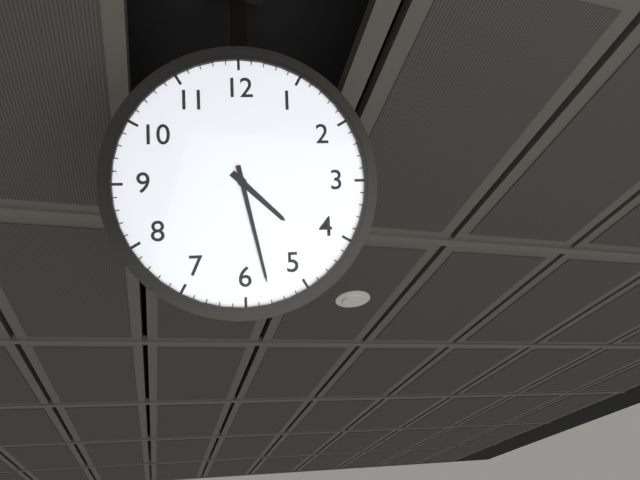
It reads 4h28
